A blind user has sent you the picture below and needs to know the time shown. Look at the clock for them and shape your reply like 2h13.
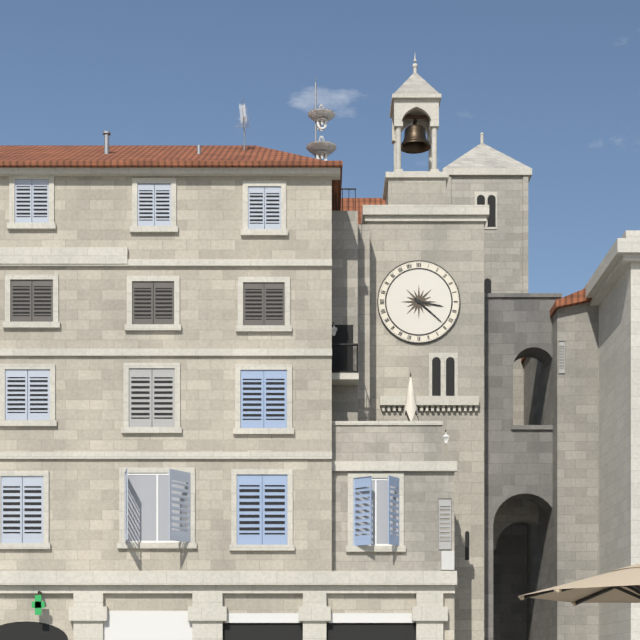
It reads 3h22
